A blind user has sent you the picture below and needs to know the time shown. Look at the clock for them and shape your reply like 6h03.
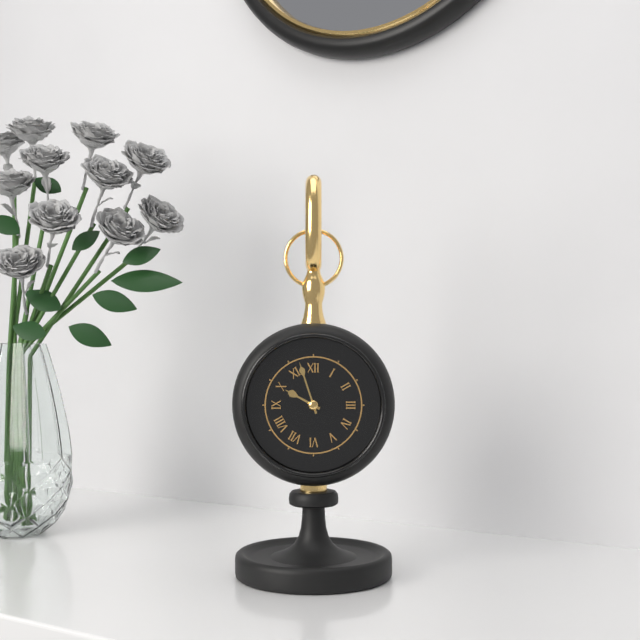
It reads 9h57
